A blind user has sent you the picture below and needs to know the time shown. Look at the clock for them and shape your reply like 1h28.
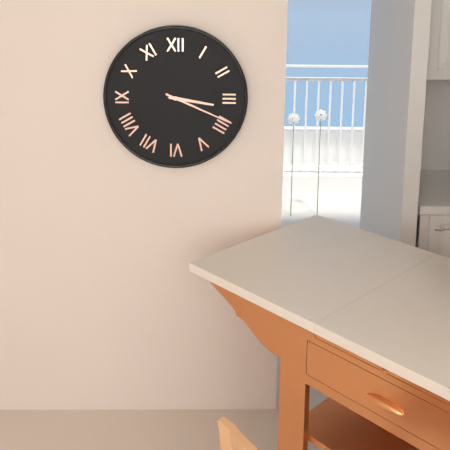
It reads 3h19
